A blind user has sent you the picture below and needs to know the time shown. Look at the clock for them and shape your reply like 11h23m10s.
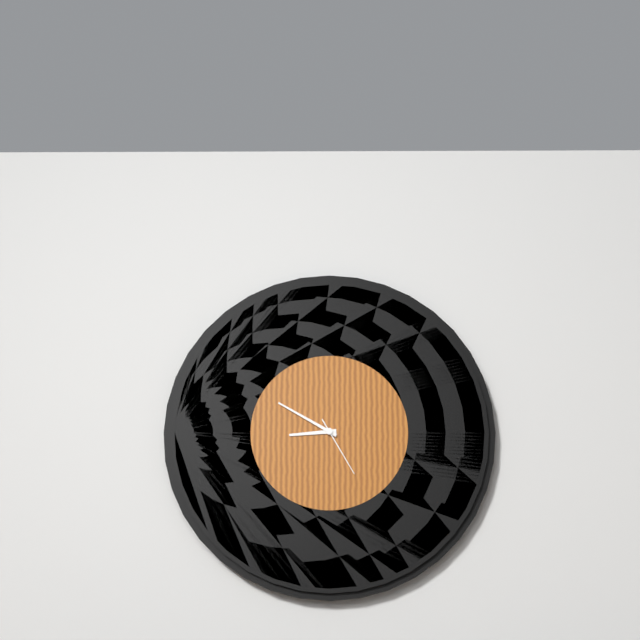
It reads 8h50m25s
